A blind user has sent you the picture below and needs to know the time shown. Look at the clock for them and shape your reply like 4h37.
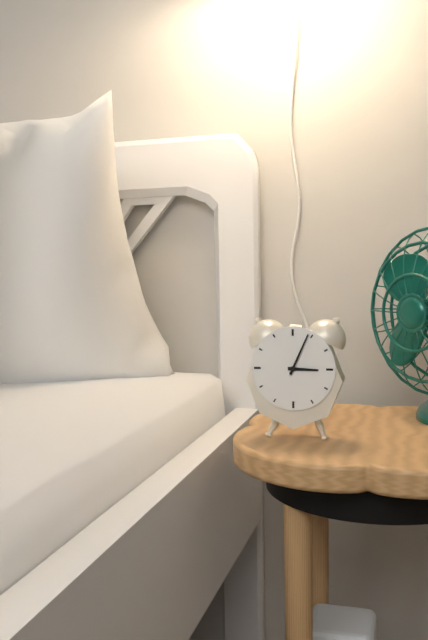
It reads 3h04
